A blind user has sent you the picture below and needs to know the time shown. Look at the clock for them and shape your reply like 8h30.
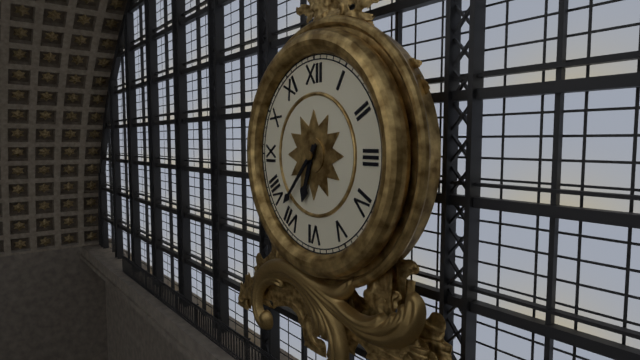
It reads 6h37
